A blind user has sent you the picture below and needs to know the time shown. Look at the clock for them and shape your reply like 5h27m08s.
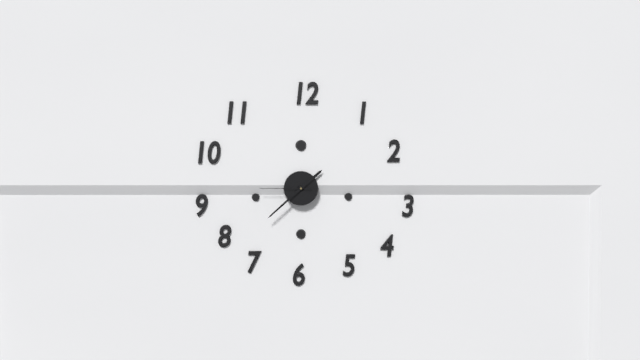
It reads 1h38m45s
